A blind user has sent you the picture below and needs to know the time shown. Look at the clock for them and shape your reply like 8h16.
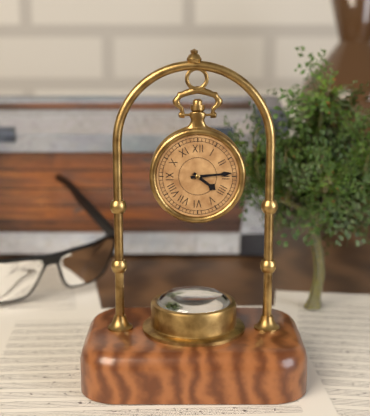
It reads 4h14
